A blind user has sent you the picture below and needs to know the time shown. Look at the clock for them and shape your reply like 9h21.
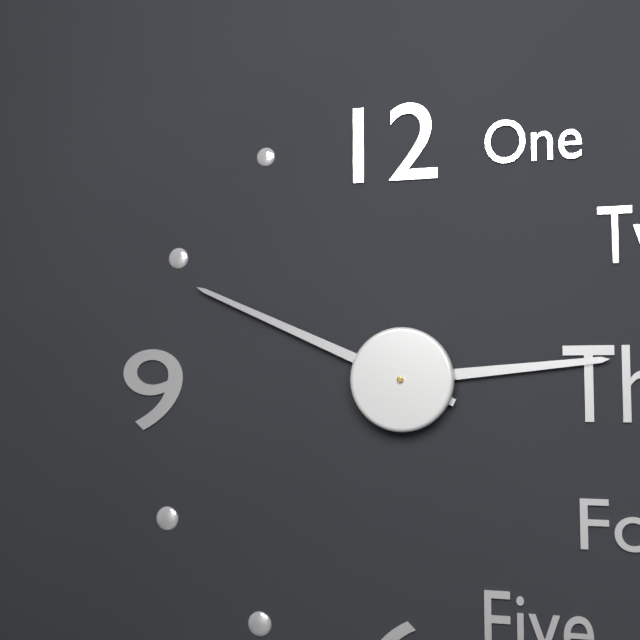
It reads 2h49
